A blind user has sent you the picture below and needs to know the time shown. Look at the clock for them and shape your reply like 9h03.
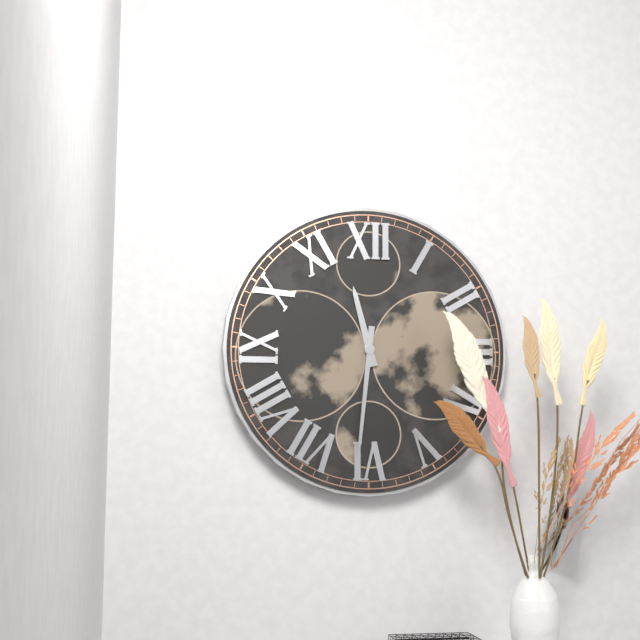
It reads 11h31
